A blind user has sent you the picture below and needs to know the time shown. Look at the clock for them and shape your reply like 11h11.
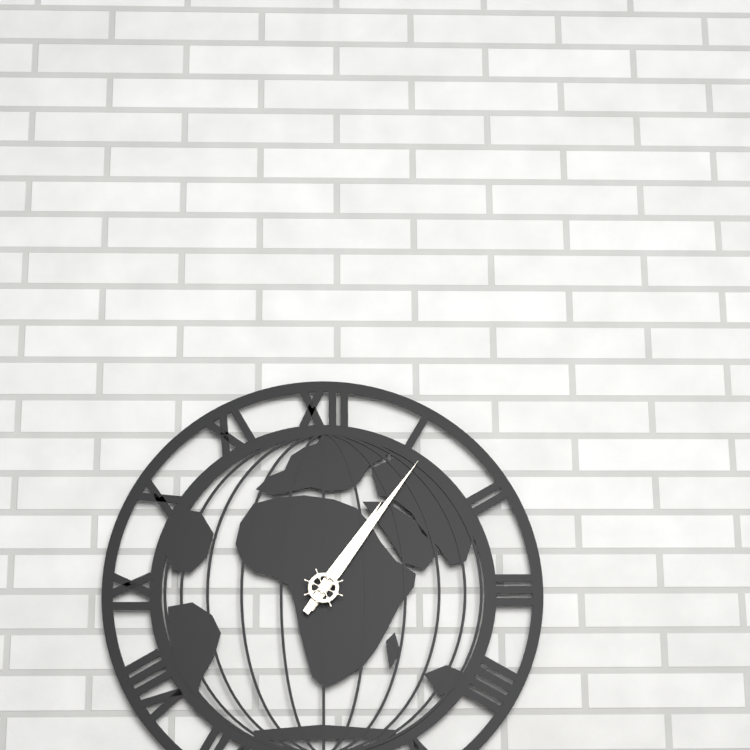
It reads 1h06
